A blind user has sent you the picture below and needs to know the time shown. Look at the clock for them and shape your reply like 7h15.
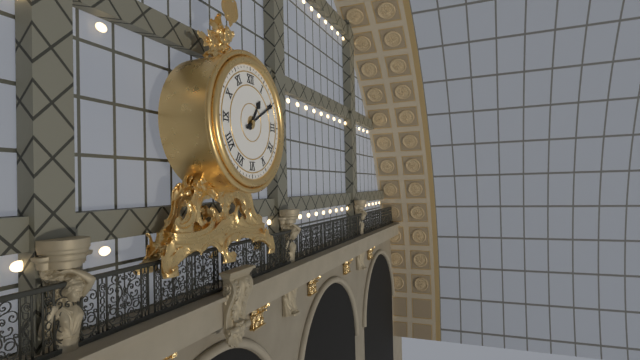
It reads 1h10
